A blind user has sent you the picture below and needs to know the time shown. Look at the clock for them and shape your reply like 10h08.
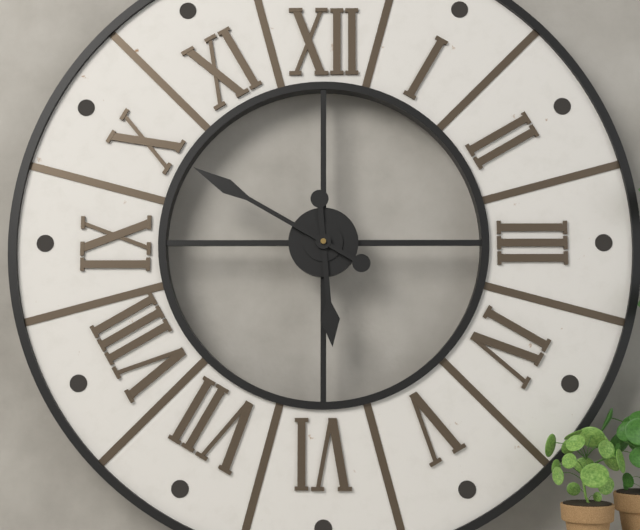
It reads 5h50
